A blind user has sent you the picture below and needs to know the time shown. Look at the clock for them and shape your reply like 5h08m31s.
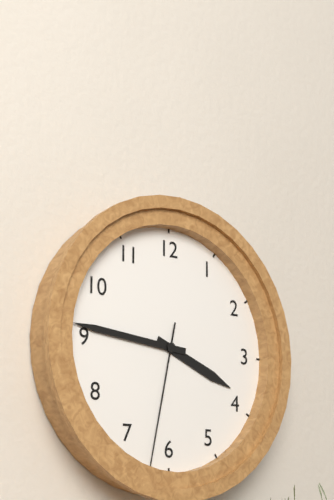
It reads 3h46m32s
